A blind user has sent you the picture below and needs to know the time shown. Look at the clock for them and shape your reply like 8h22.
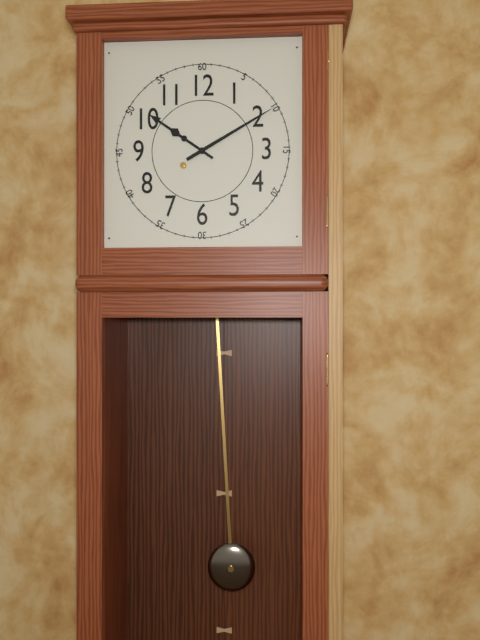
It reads 10h10
